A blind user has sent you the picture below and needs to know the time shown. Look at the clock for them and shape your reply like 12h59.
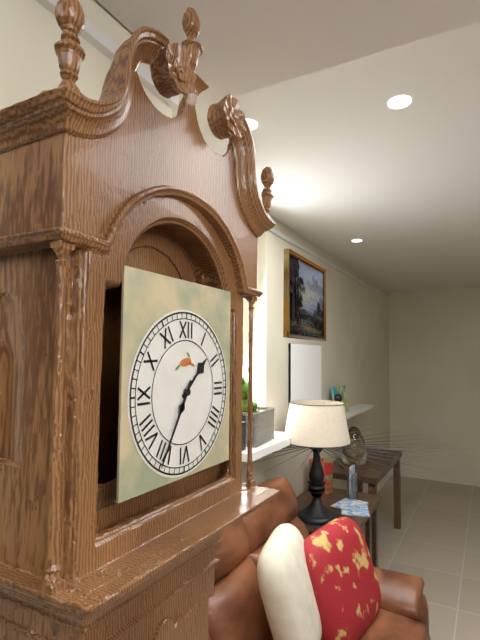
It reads 1h35
